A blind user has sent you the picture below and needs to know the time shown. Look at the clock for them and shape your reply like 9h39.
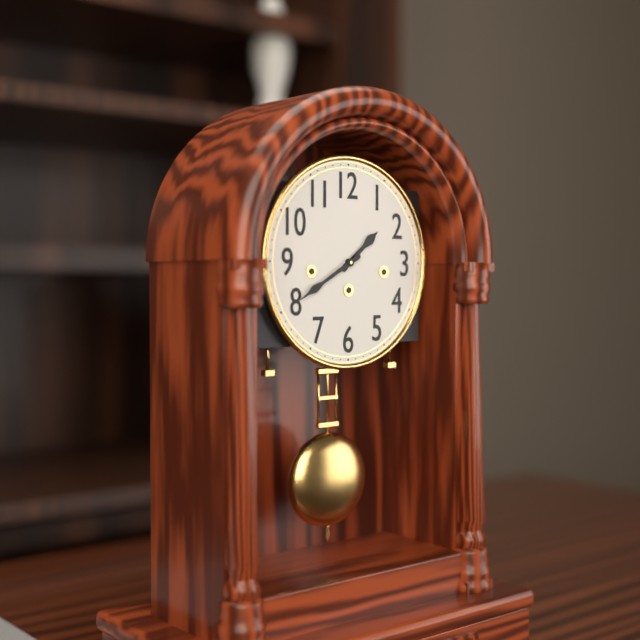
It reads 1h40
